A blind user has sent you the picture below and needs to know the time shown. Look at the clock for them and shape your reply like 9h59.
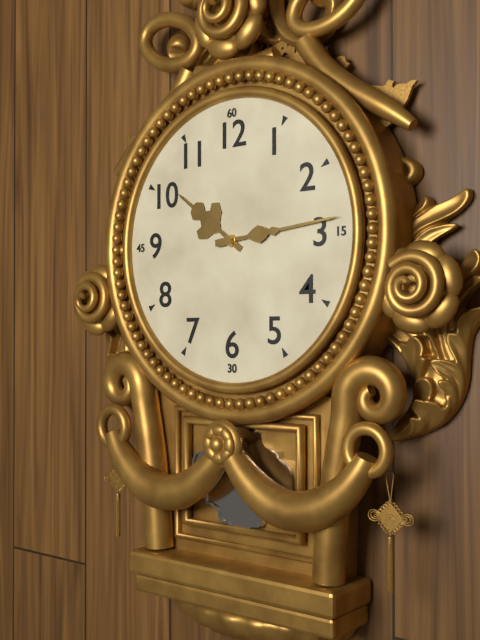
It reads 10h14
